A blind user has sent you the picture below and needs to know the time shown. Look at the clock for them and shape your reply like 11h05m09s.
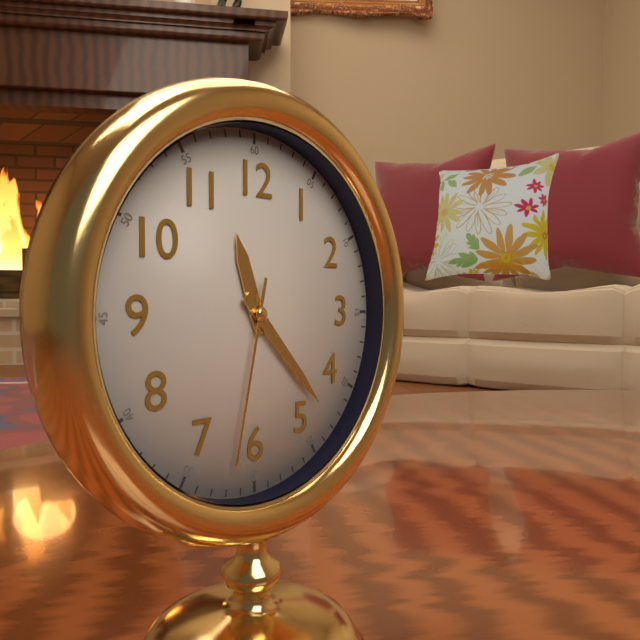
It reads 11h23m32s
